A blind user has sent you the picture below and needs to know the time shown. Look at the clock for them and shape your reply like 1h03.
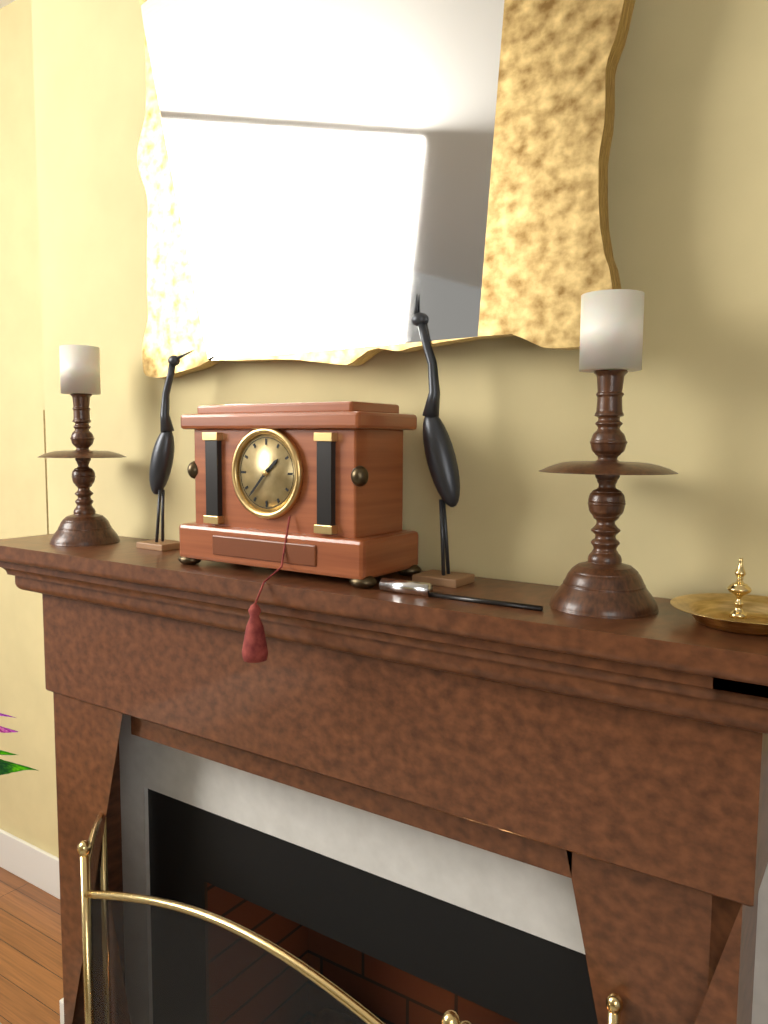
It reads 1h37
